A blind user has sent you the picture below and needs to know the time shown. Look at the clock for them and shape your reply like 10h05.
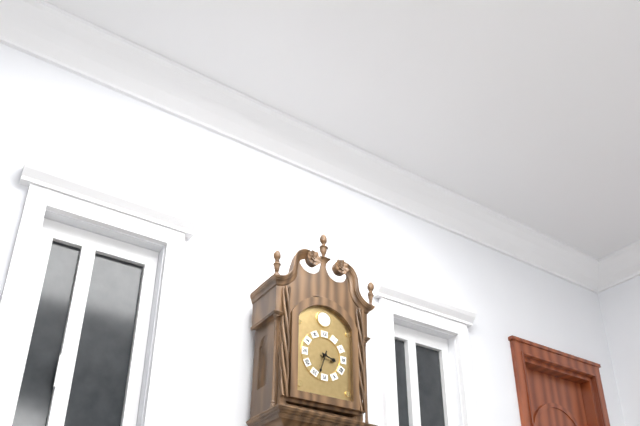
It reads 3h33
